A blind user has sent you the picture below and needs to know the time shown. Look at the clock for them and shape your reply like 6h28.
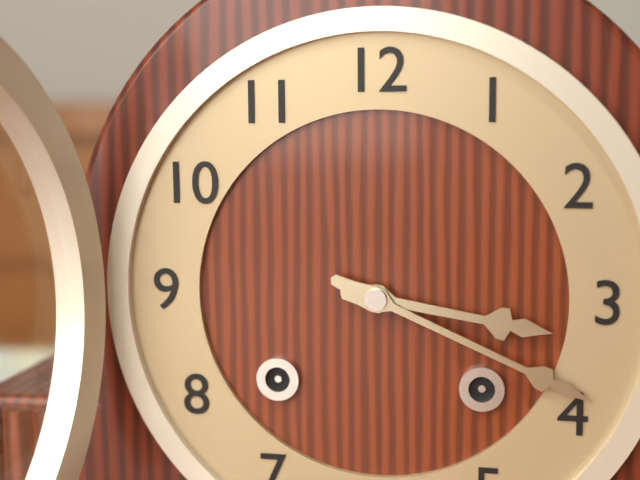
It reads 3h19
